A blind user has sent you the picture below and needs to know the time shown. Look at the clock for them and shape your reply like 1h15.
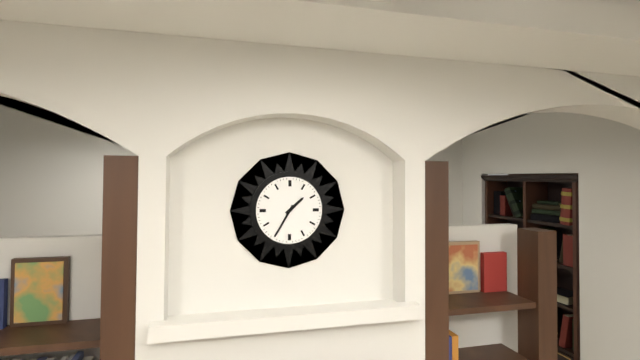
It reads 1h35
